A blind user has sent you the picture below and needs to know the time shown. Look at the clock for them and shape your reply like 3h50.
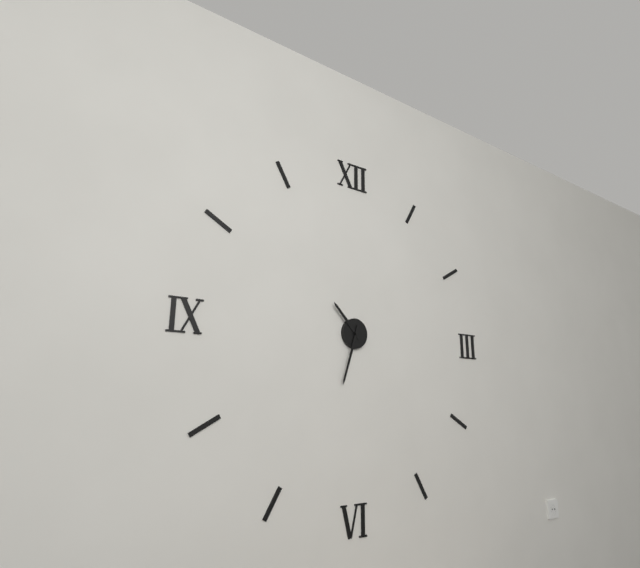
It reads 10h33
